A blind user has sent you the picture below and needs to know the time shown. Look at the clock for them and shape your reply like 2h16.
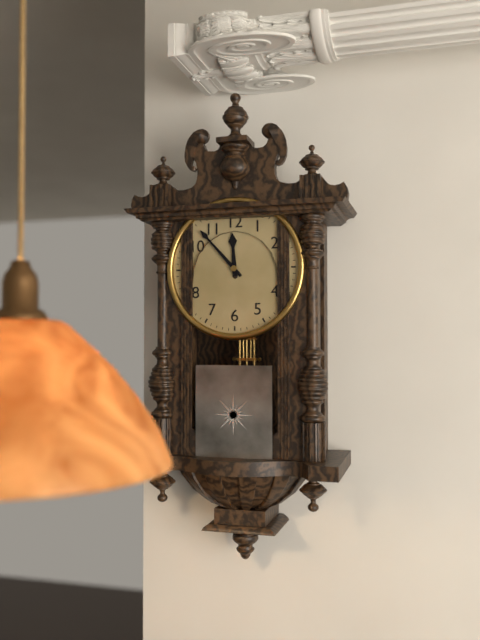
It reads 11h53
